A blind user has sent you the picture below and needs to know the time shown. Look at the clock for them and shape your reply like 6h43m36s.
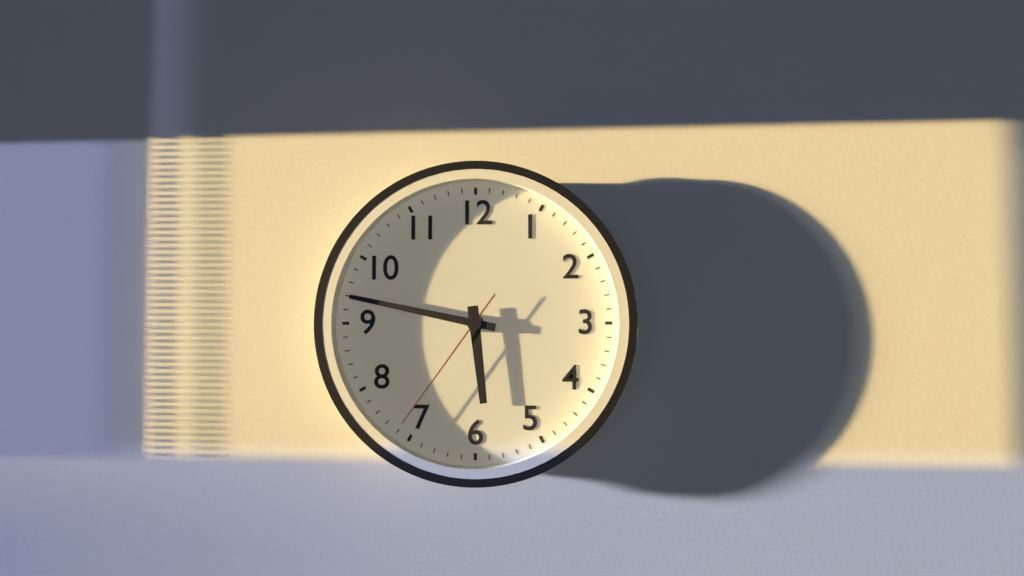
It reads 5h47m36s
